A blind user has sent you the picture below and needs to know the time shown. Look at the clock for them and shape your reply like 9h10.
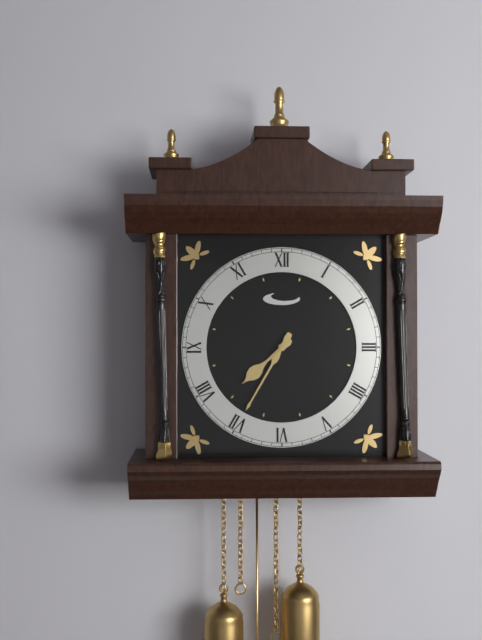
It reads 7h35
